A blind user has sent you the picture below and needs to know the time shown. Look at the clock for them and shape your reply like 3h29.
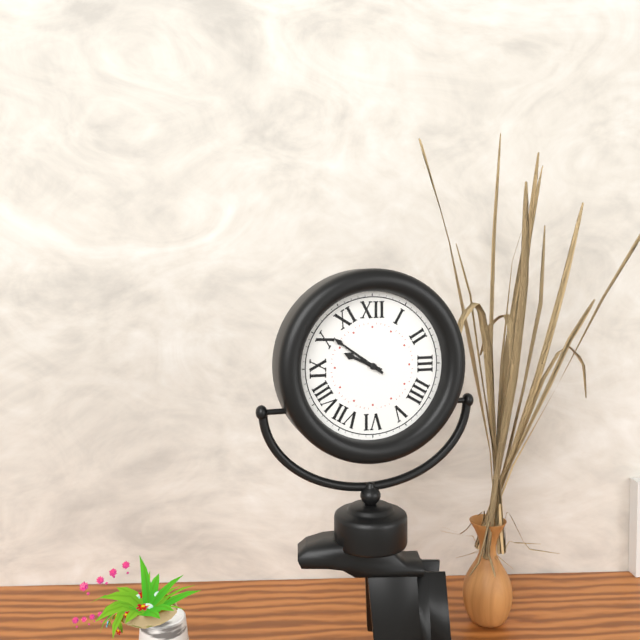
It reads 9h51
